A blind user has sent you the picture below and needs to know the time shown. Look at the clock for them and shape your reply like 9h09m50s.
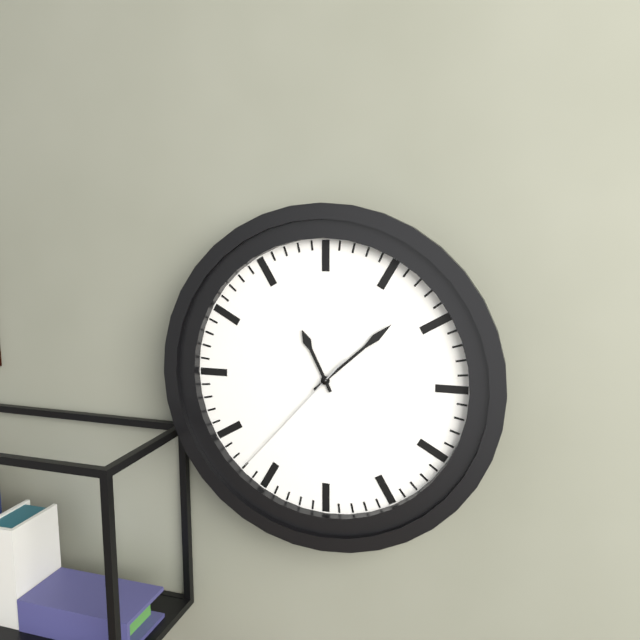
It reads 11h08m37s
